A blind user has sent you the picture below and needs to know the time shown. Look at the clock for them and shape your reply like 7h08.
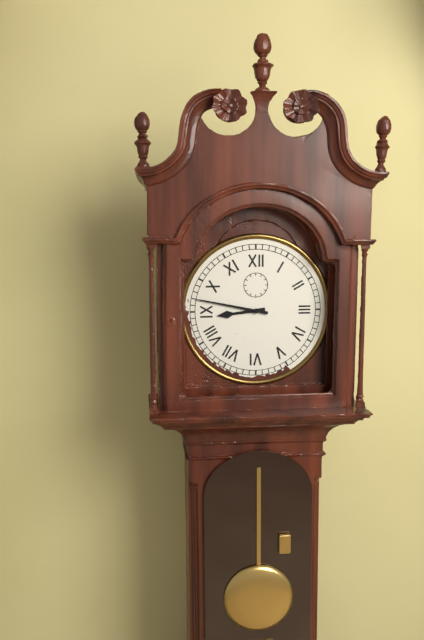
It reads 8h47
